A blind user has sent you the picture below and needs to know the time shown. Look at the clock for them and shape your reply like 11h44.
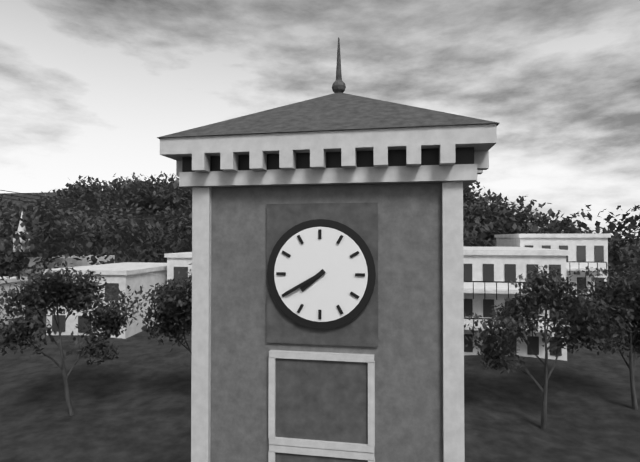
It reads 7h40
